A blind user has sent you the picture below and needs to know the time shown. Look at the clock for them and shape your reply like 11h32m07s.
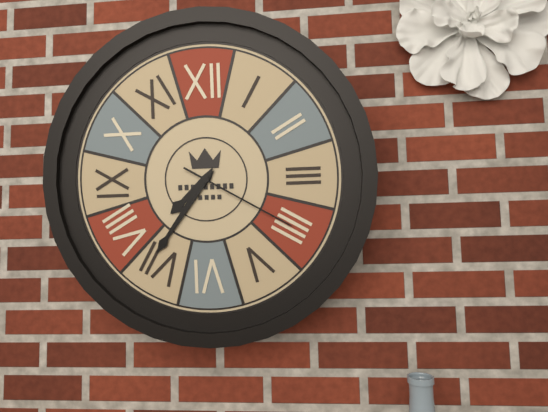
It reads 7h36m20s
